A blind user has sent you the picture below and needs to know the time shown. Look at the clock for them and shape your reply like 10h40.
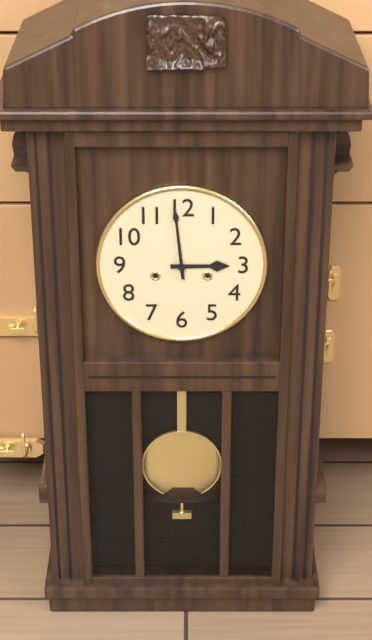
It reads 2h59
